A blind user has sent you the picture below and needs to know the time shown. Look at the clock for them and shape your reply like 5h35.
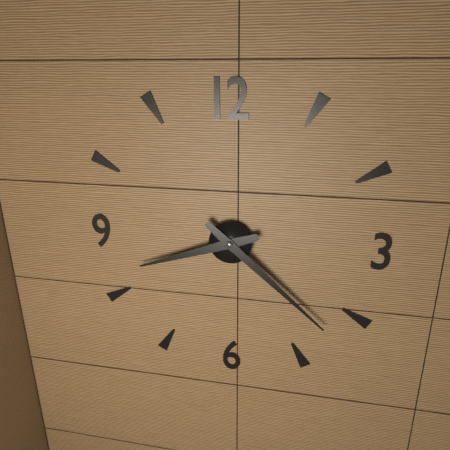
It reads 8h22
